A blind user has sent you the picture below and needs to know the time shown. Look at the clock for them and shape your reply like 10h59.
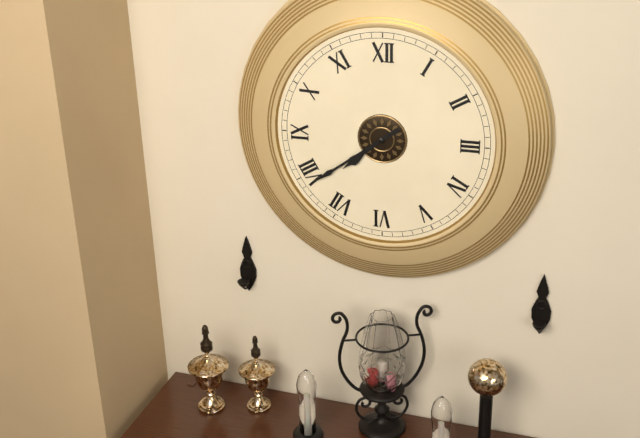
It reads 7h39
